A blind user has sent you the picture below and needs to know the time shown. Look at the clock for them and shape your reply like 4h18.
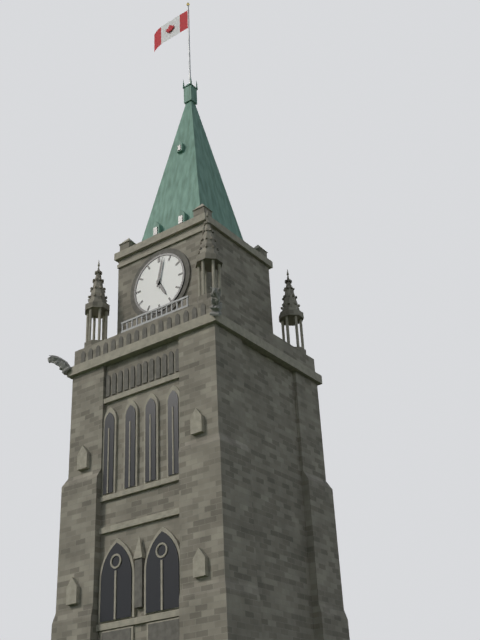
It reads 5h02
